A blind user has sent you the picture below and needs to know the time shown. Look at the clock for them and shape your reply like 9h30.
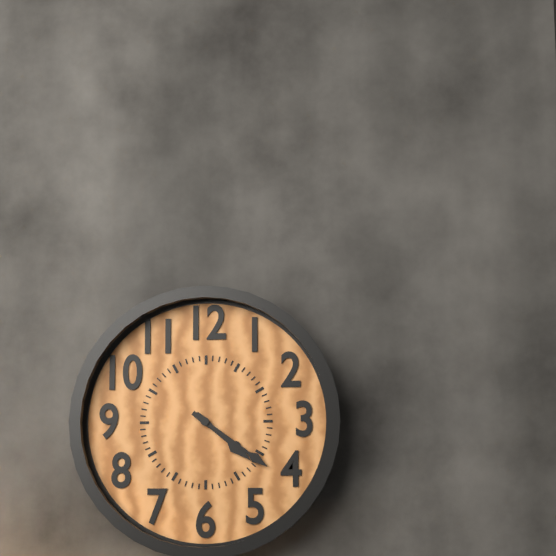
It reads 4h21
